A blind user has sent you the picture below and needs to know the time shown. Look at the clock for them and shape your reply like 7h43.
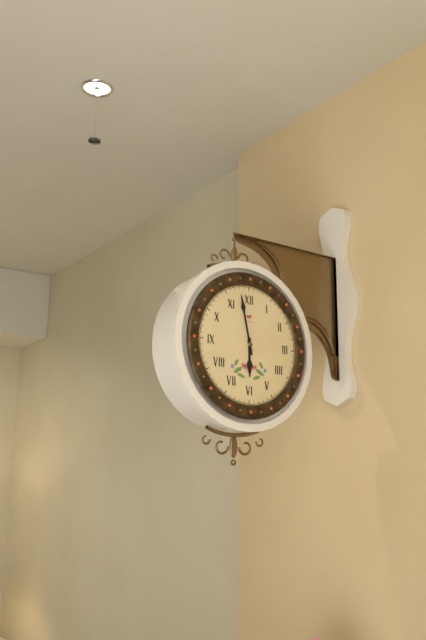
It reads 5h58
